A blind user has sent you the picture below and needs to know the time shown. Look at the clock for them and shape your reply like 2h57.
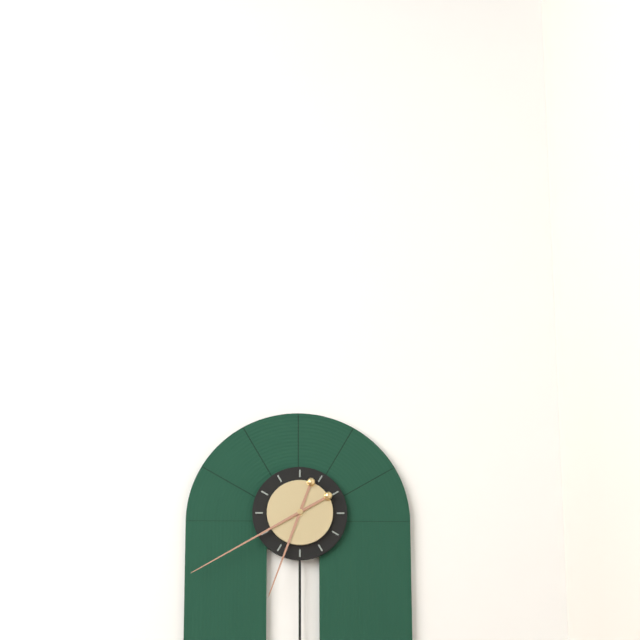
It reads 6h40
